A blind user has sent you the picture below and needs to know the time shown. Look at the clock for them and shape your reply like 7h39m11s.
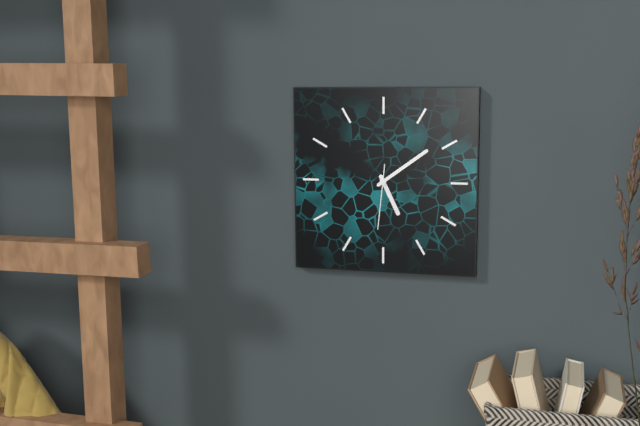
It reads 5h09m31s
